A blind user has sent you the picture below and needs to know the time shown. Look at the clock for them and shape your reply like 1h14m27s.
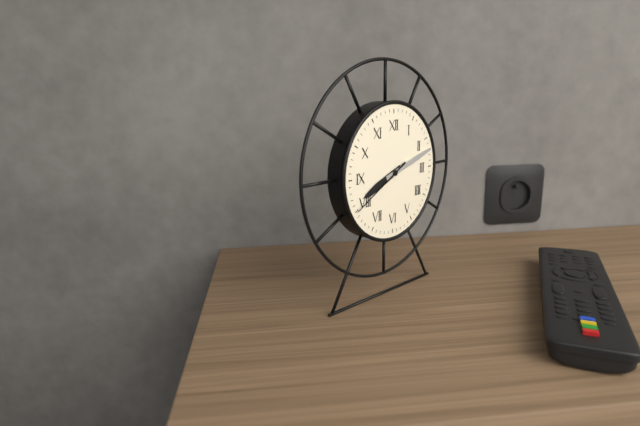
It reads 8h12m40s
